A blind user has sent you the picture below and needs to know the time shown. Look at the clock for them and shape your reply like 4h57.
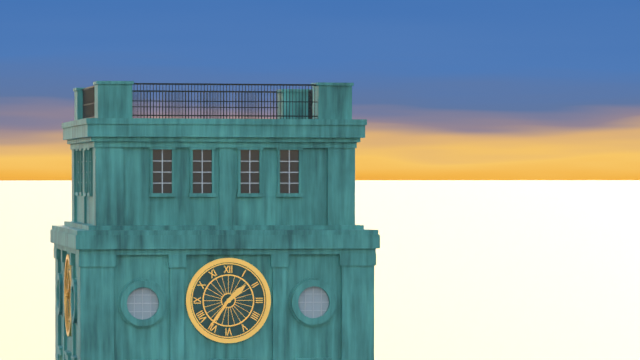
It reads 1h36
